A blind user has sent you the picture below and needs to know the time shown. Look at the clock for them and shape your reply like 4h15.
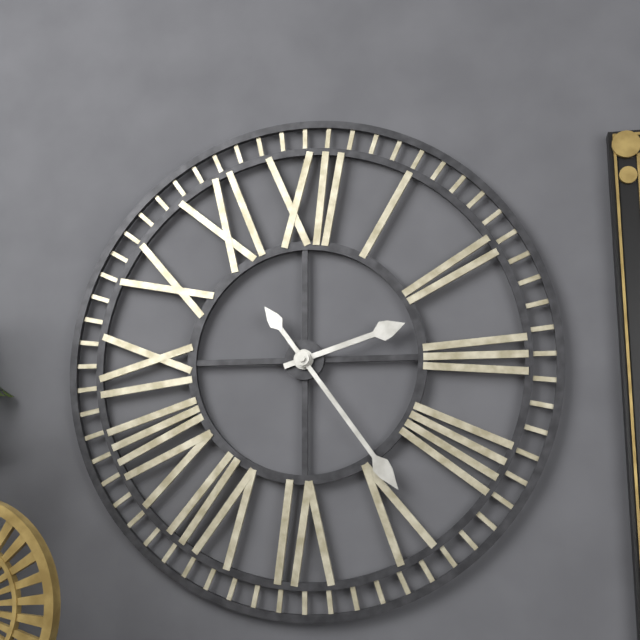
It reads 2h24
